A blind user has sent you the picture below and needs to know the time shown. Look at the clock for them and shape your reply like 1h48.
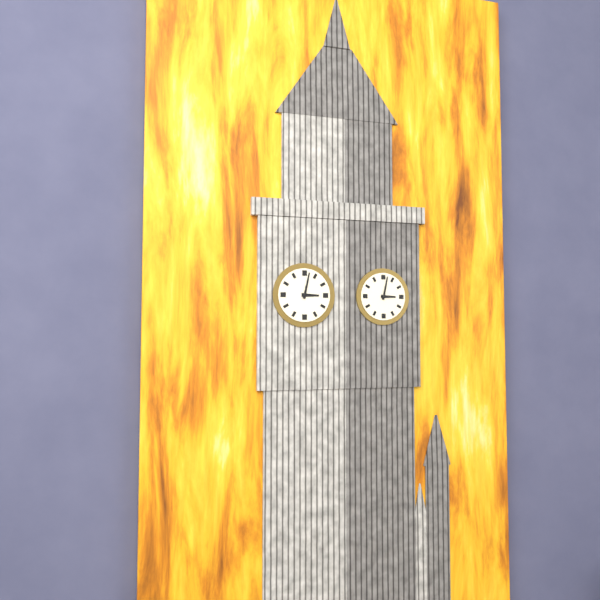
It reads 3h02
